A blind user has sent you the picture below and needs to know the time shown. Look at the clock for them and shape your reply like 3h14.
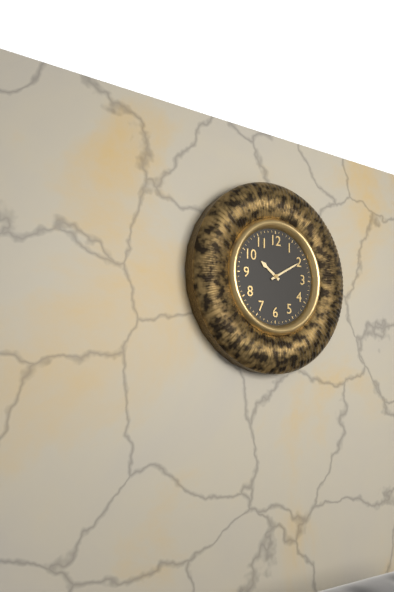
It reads 10h10
